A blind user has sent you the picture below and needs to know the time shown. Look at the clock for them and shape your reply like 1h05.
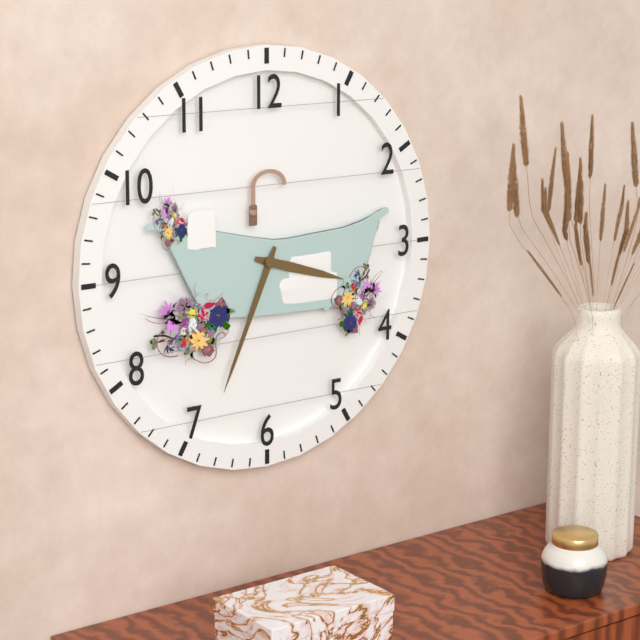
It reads 3h34
